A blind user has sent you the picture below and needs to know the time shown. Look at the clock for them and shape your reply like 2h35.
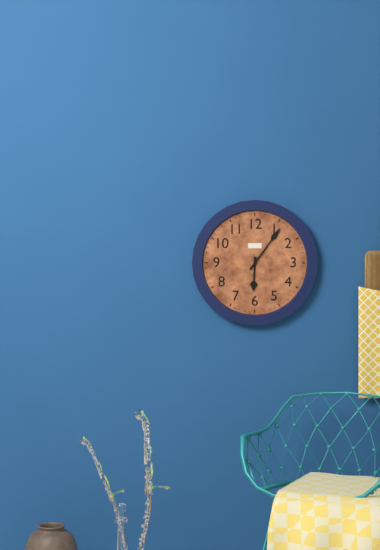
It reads 6h06
